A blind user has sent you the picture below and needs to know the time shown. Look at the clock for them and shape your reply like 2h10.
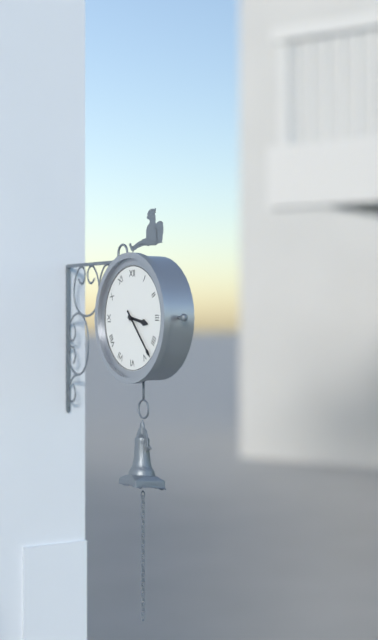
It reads 3h23
